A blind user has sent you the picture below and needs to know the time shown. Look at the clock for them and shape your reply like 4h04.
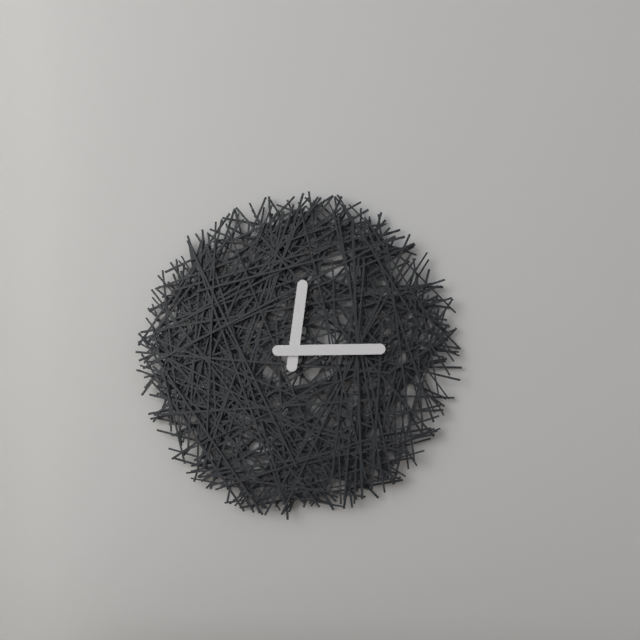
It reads 12h15
